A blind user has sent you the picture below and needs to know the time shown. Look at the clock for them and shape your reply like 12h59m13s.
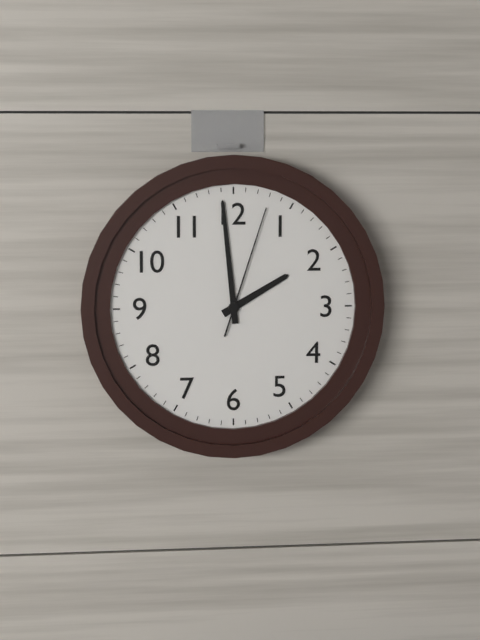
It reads 1h59m03s
